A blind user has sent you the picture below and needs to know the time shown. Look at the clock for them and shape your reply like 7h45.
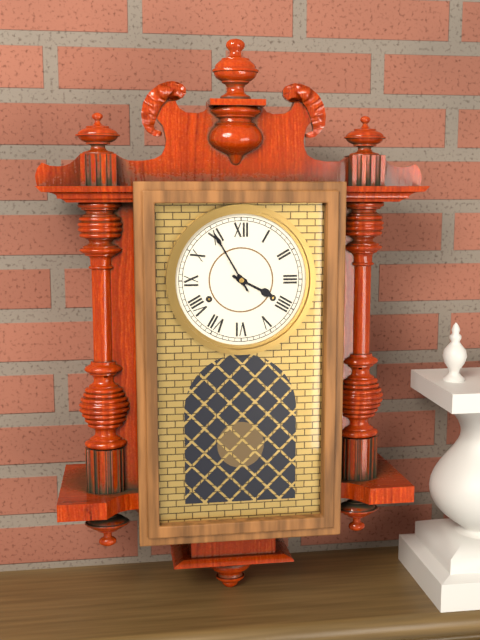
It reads 3h55
